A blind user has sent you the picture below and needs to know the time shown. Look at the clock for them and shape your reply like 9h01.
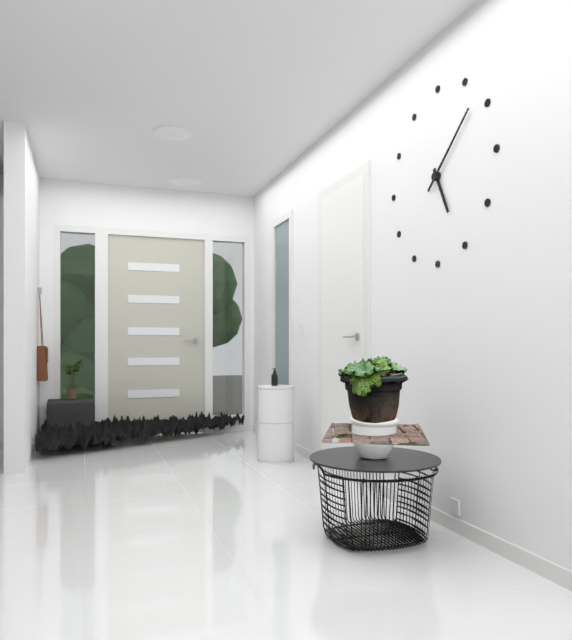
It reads 5h08
